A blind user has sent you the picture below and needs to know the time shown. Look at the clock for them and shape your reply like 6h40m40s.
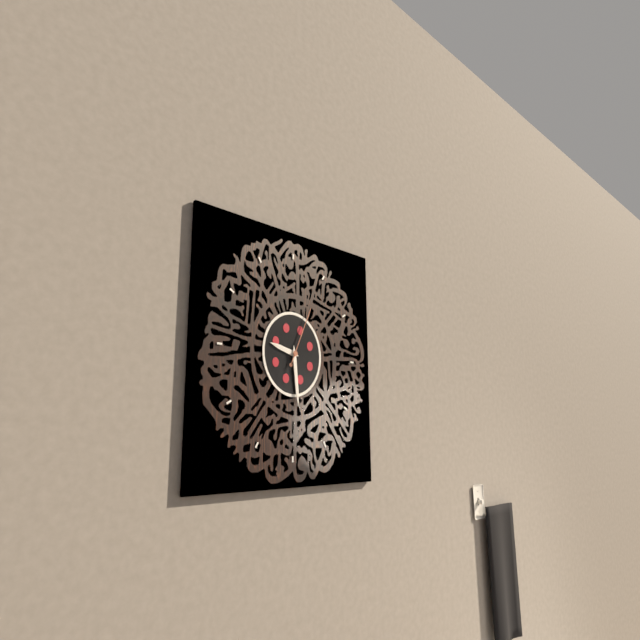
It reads 9h29m04s
